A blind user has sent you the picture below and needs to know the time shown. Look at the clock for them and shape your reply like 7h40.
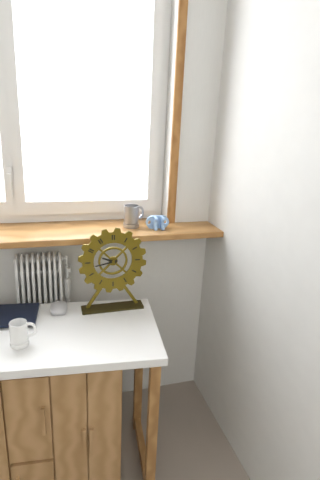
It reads 9h43
